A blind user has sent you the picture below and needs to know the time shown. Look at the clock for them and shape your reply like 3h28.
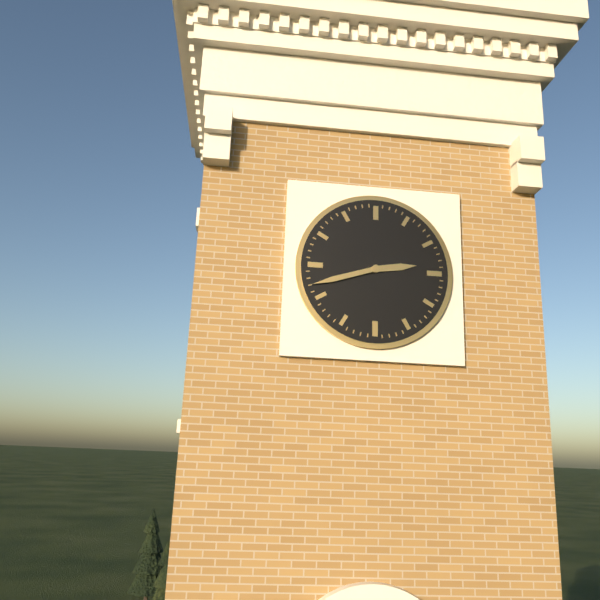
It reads 2h42
